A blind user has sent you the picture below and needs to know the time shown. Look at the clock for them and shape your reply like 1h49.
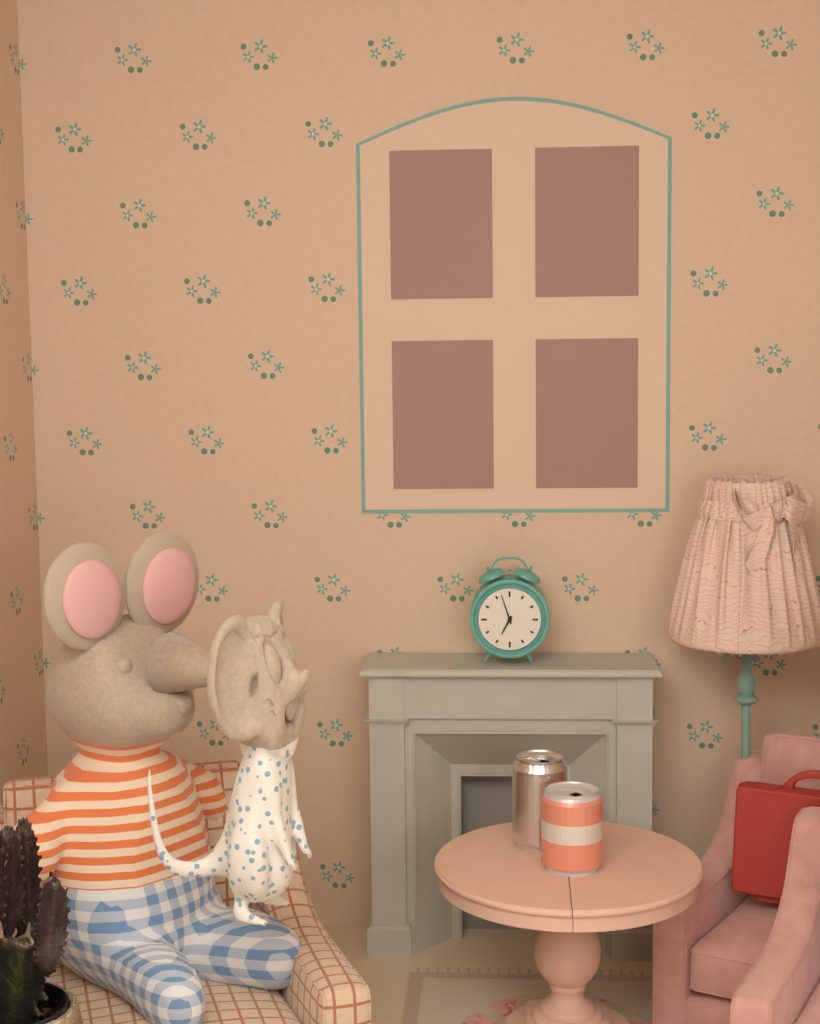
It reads 6h57
